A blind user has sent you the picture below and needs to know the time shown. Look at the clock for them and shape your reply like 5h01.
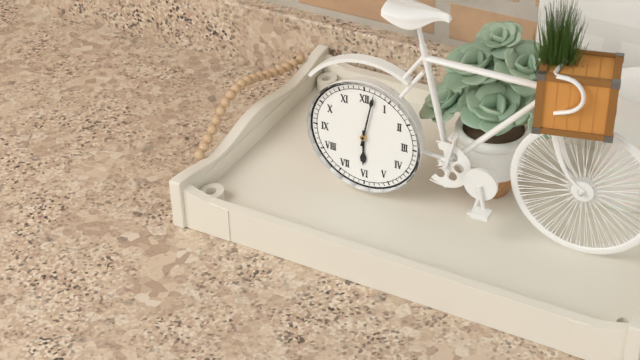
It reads 6h02
